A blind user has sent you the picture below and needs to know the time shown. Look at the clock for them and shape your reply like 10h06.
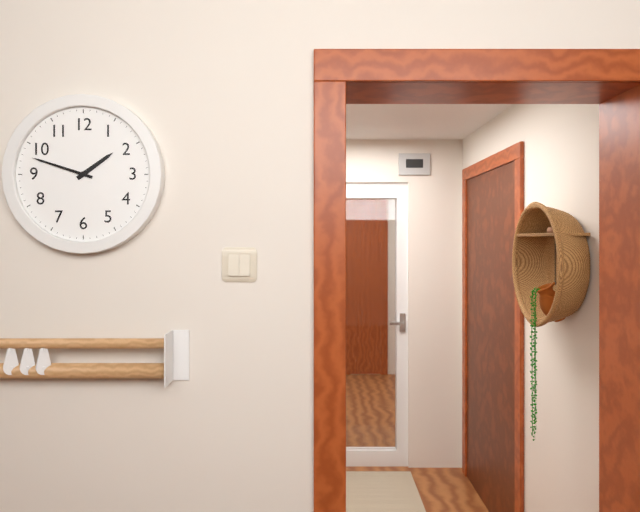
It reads 1h48
